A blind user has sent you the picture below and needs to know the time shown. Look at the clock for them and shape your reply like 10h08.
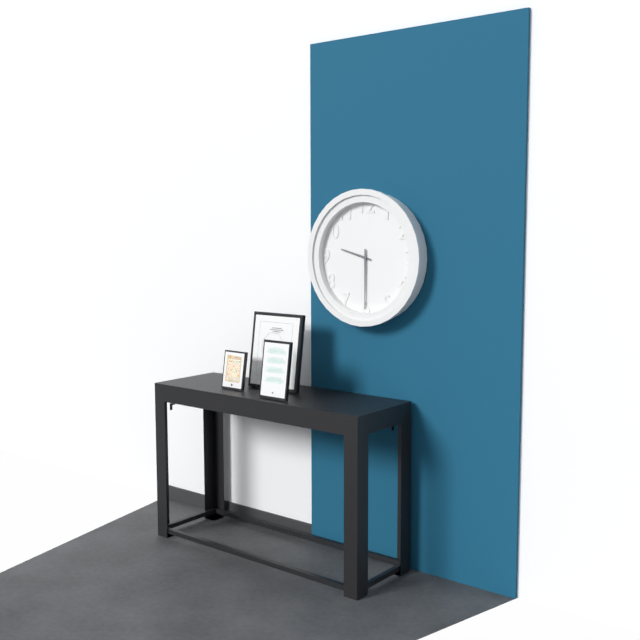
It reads 9h30
